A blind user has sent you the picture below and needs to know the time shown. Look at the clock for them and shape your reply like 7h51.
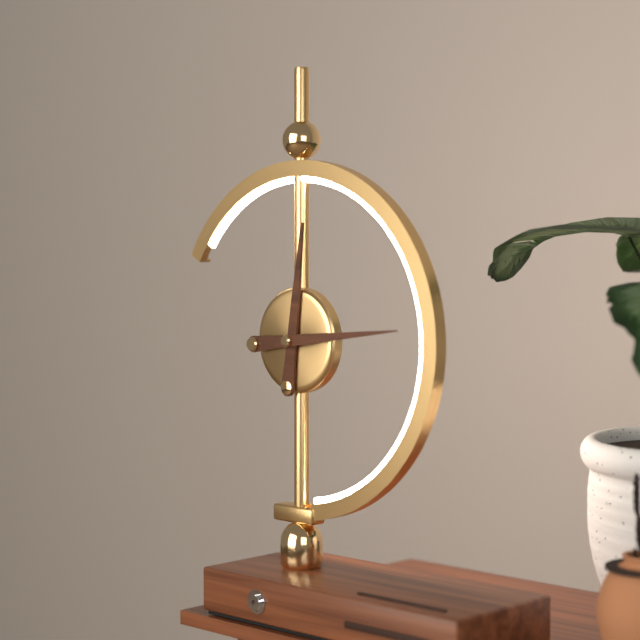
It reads 12h14
